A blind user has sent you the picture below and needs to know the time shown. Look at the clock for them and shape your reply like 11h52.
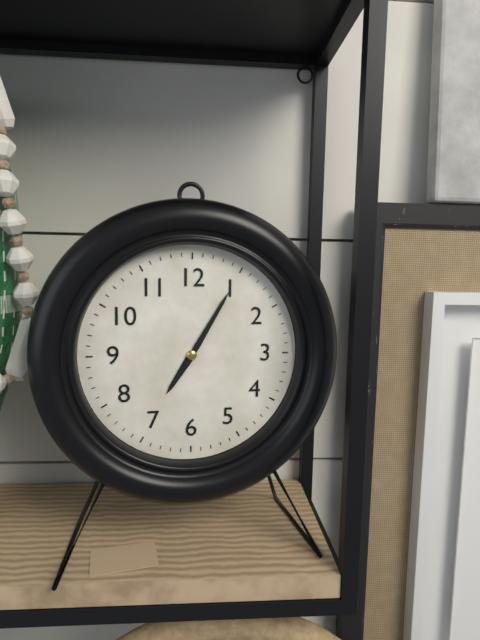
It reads 7h05
